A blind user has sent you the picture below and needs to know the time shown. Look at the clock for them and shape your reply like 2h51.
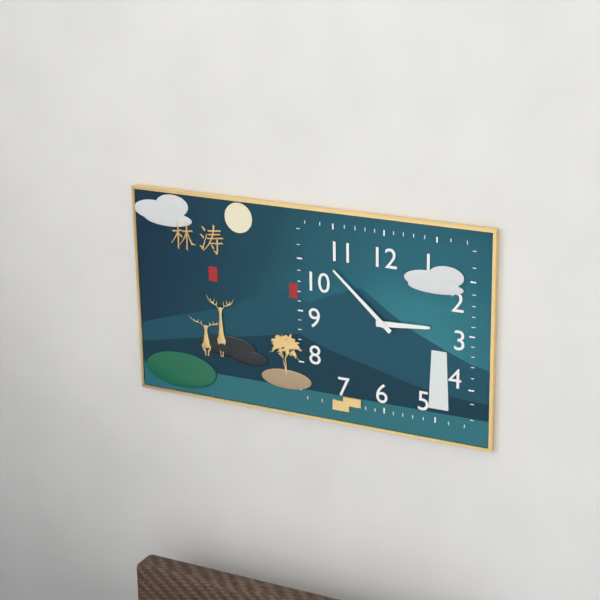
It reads 2h52
